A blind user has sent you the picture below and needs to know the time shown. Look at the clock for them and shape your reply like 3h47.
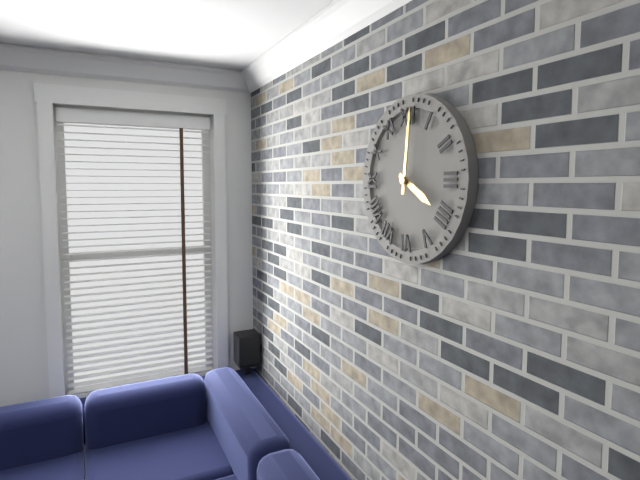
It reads 4h01
